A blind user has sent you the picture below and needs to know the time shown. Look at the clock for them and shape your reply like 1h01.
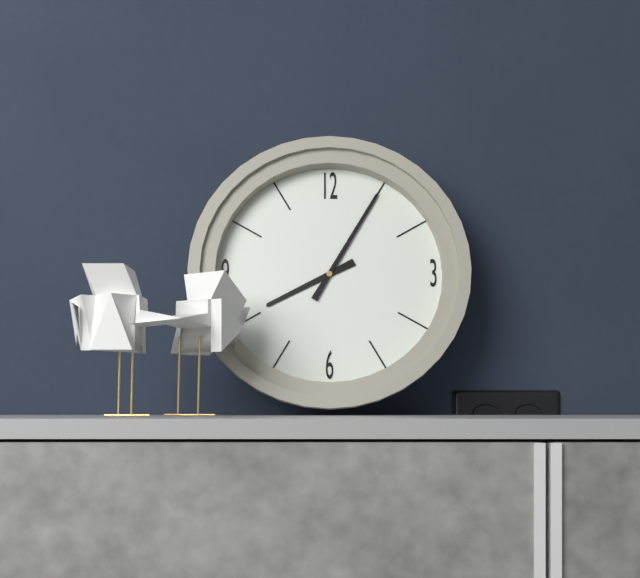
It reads 8h05
